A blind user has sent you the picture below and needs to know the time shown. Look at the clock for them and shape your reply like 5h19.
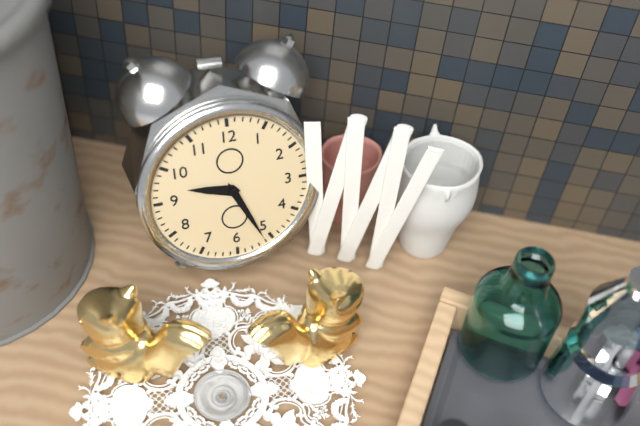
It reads 9h26
